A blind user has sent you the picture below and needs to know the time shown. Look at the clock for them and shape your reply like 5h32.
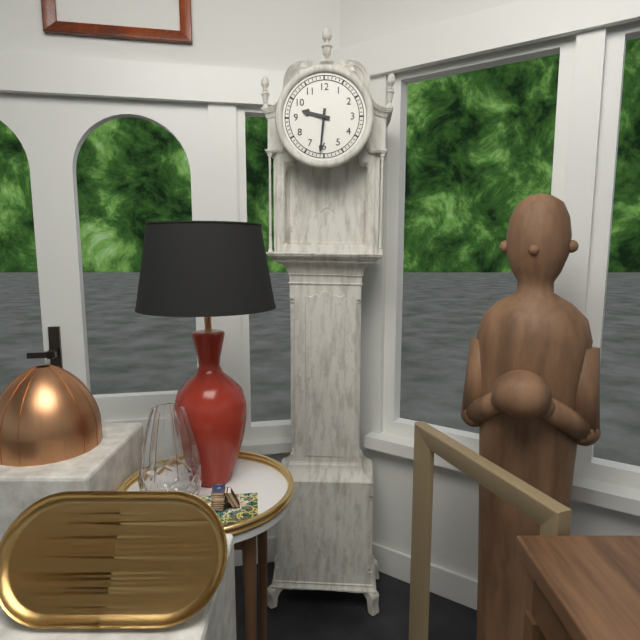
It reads 9h31
